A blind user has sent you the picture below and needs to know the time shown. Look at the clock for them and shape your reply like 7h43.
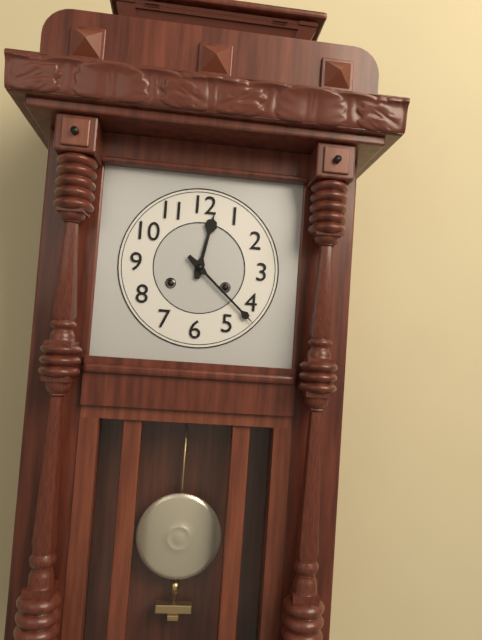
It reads 12h22
